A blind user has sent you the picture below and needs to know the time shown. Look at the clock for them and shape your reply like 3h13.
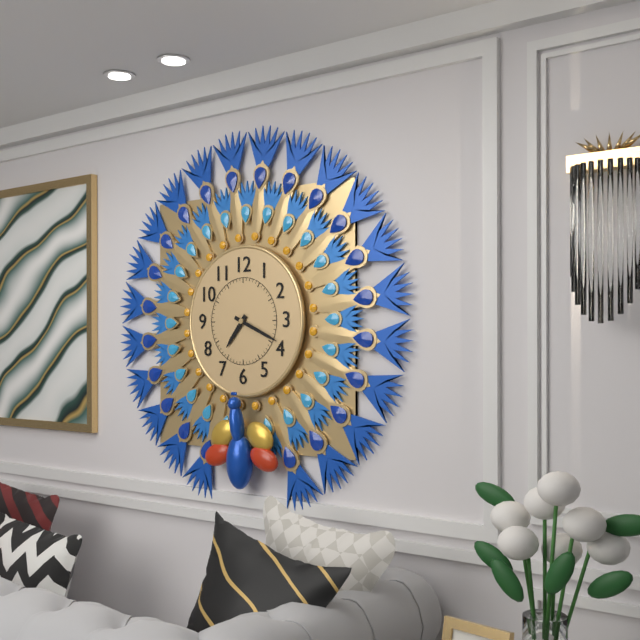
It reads 7h19
